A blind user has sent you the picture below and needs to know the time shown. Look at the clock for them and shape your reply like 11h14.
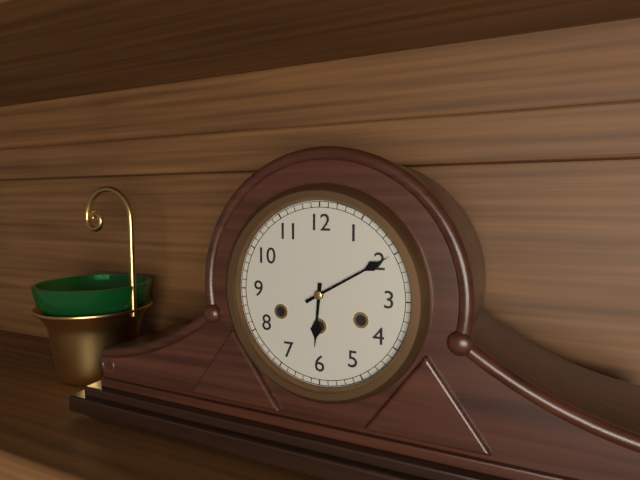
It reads 6h10
